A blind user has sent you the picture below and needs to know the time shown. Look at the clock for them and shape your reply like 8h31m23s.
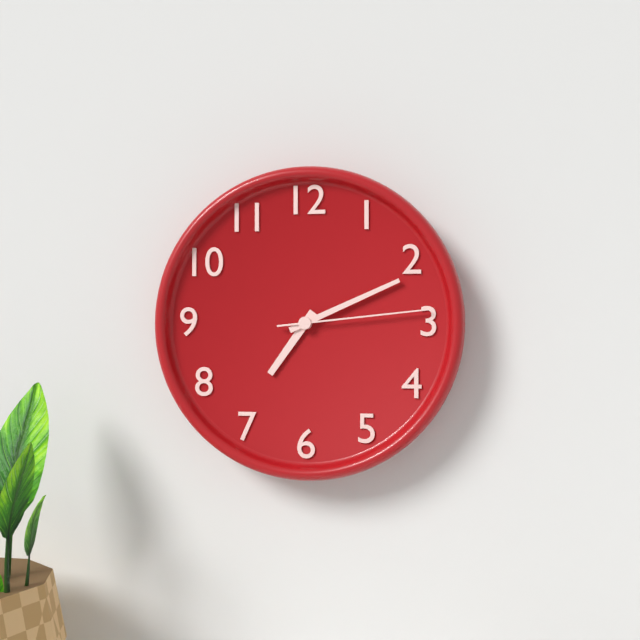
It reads 7h11m14s
